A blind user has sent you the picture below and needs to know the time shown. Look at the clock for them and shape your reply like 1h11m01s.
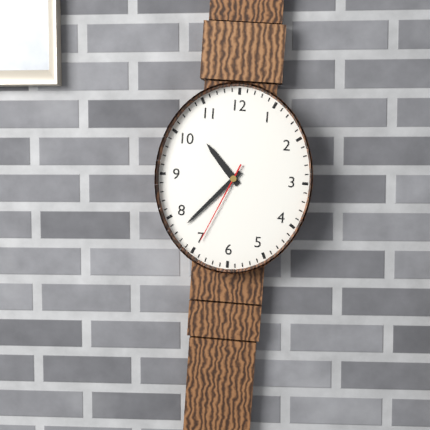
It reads 10h37m34s
